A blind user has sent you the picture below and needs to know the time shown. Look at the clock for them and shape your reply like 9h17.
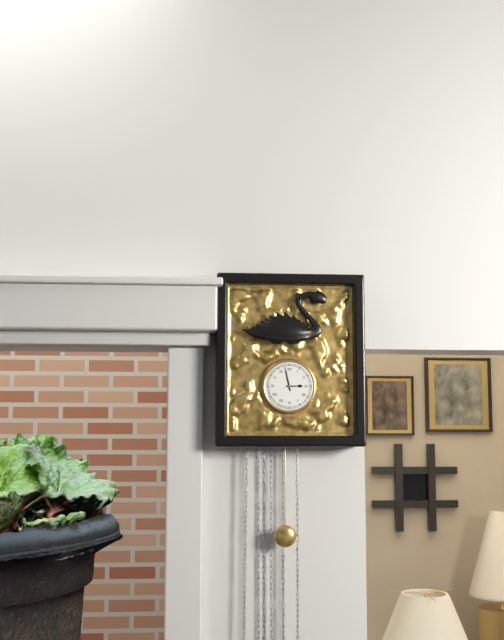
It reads 2h58
